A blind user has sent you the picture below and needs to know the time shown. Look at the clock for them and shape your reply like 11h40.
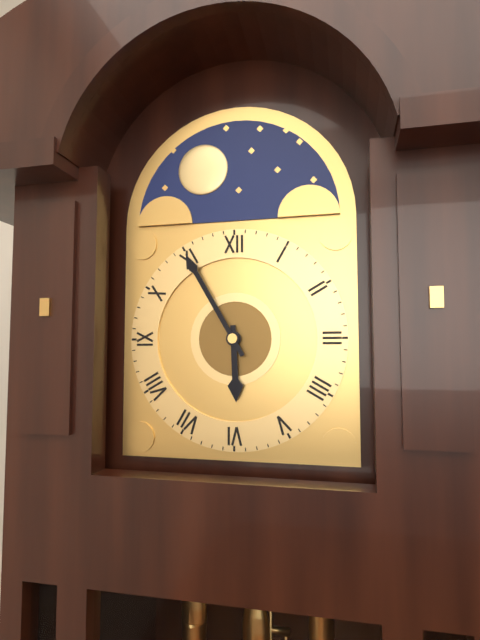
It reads 5h55
